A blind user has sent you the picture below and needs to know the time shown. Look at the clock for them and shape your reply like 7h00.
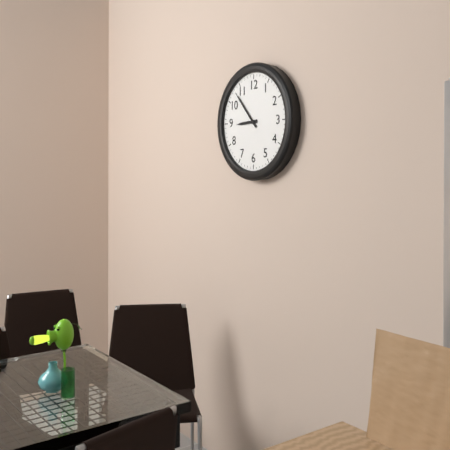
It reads 8h53
